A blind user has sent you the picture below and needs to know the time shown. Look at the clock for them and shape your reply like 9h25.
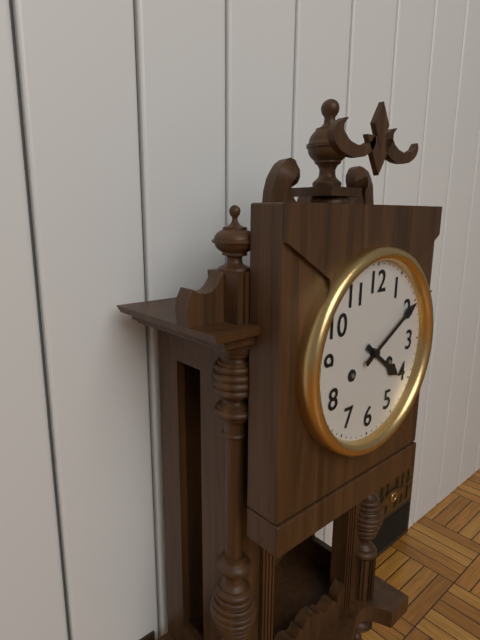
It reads 4h10
